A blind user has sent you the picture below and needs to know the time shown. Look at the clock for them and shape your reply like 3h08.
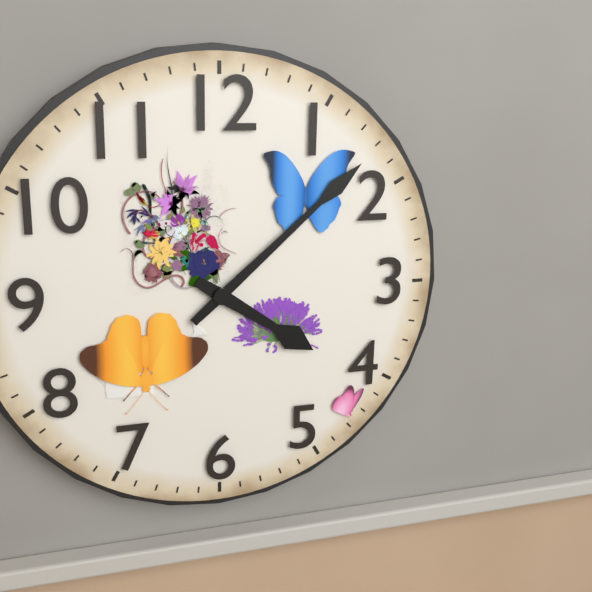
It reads 4h08
